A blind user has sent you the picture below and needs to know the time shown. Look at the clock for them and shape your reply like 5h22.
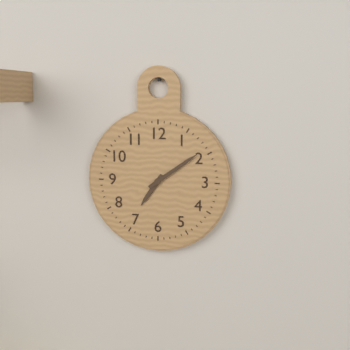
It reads 7h09
